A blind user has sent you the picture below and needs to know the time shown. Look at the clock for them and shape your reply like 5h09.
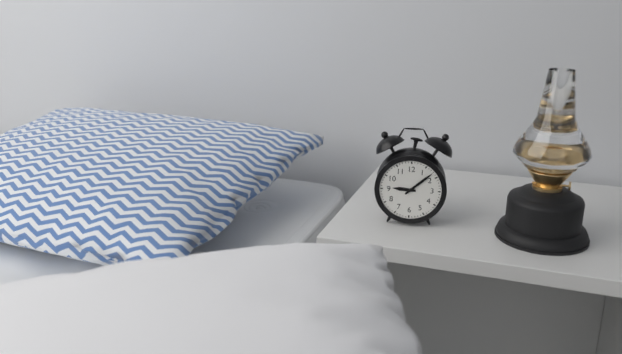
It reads 9h08
